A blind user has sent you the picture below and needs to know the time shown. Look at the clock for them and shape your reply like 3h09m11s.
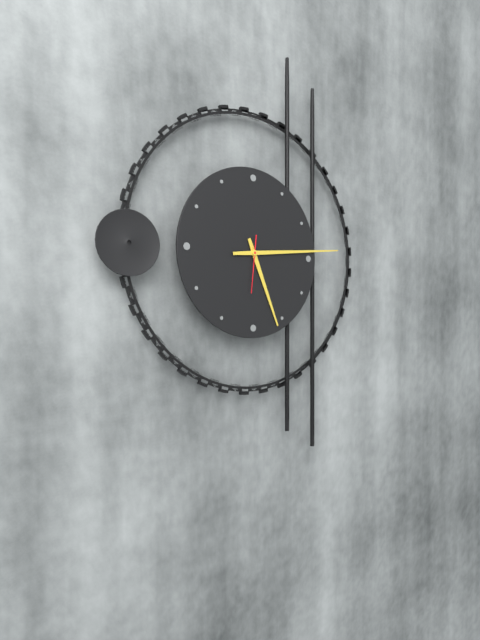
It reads 5h14m31s
